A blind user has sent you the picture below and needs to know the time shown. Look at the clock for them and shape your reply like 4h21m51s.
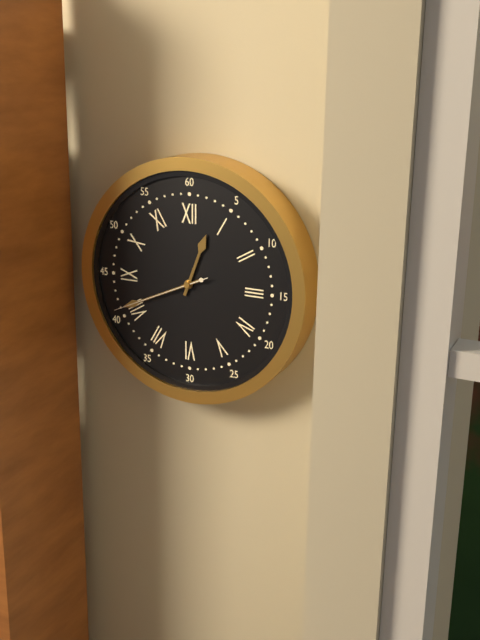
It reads 12h41m41s
